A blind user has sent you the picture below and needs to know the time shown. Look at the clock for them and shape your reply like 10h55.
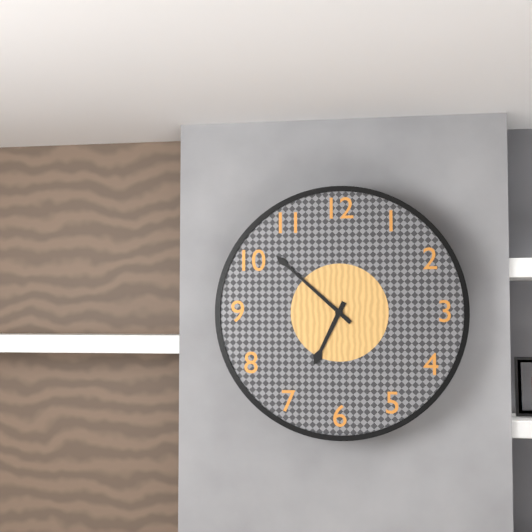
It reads 6h52
